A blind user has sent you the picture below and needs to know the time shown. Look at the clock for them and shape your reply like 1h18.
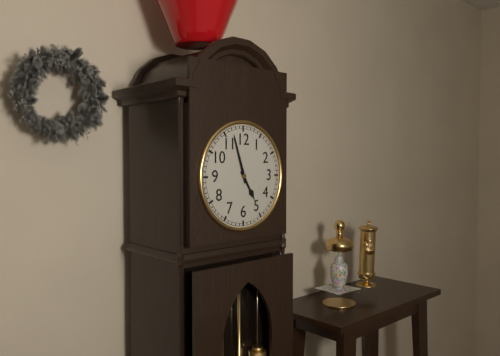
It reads 4h57
